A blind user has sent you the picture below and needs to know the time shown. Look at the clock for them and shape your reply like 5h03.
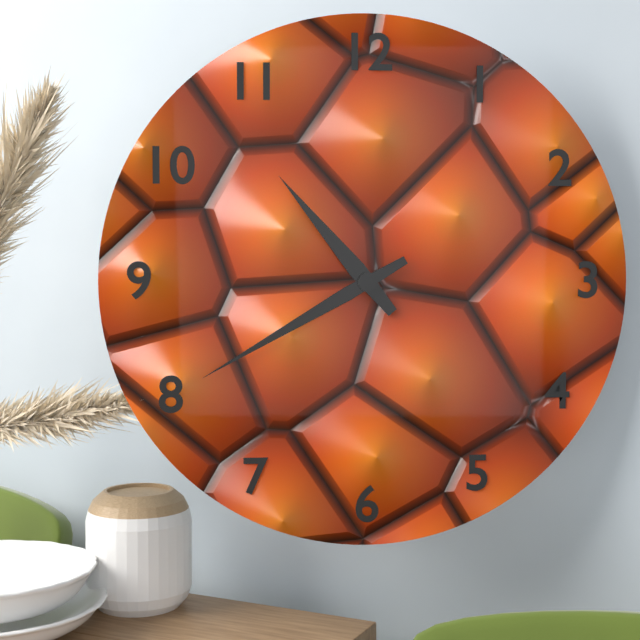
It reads 10h40
